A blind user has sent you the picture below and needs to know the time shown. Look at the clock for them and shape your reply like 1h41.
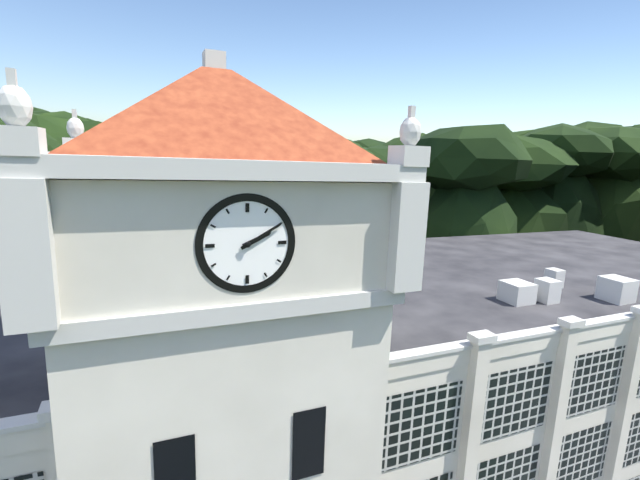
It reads 2h10
